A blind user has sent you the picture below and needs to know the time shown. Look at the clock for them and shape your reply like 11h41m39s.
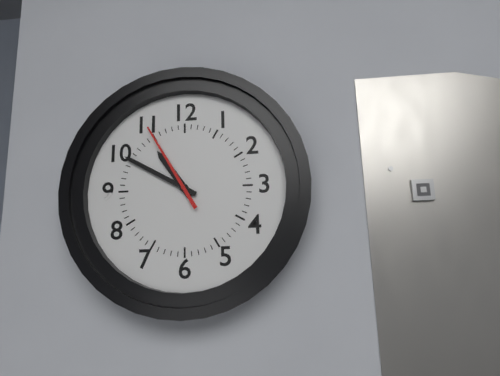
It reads 10h50m55s
